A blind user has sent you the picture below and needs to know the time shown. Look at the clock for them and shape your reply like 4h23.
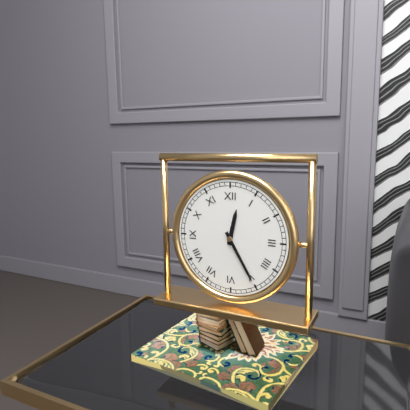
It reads 12h25
